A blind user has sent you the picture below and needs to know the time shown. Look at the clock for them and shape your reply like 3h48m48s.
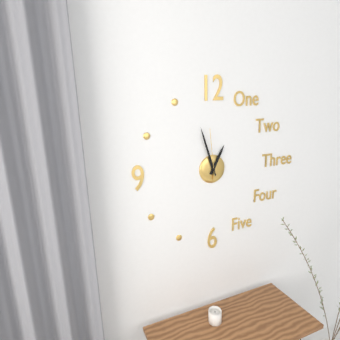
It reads 12h57m59s
